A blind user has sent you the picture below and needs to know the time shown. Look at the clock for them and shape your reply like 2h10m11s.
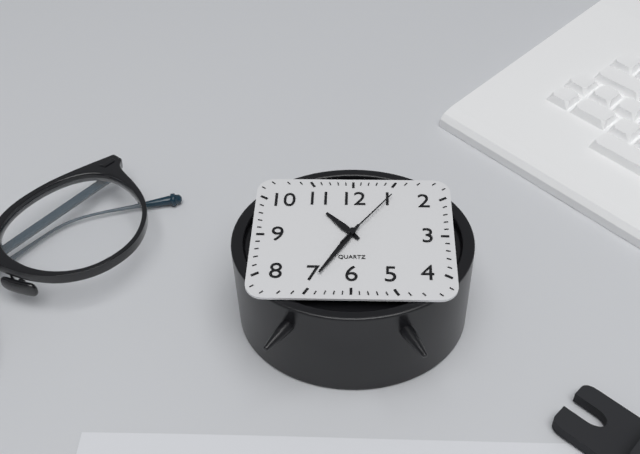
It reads 10h35m06s
